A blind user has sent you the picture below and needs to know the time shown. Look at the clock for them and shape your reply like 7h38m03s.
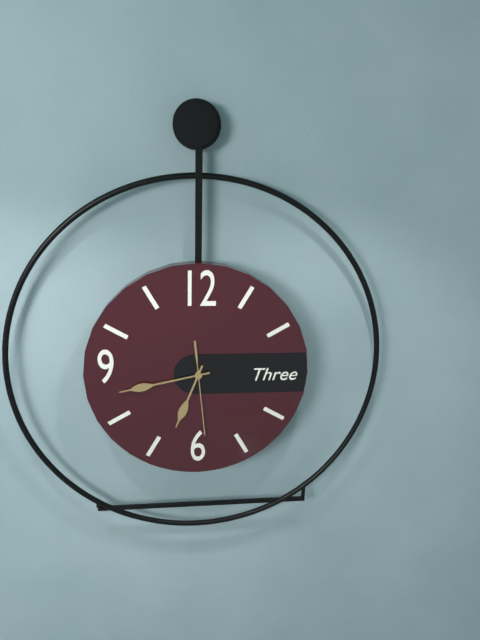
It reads 6h43m29s
